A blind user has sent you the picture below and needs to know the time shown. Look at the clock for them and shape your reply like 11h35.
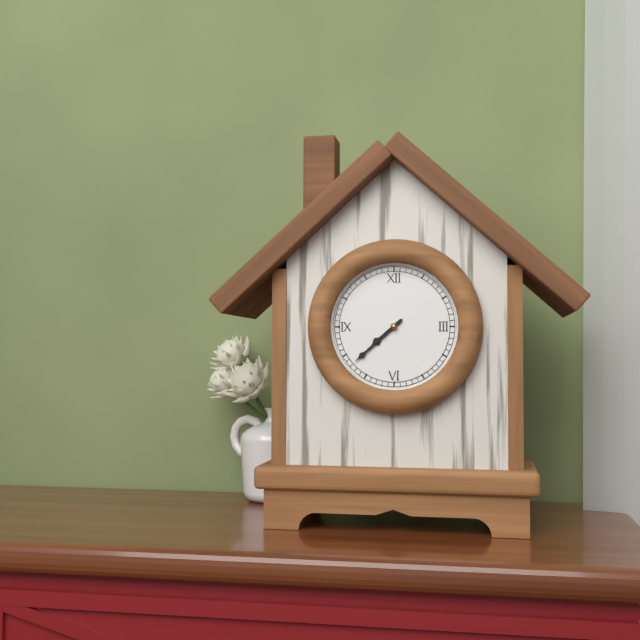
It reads 7h38
